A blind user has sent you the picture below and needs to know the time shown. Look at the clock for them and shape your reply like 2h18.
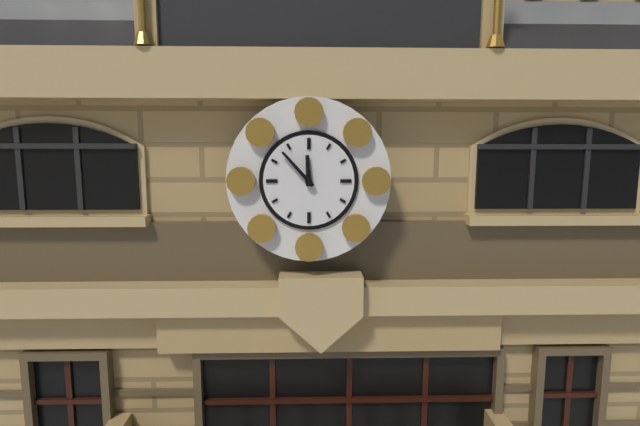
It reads 11h53
